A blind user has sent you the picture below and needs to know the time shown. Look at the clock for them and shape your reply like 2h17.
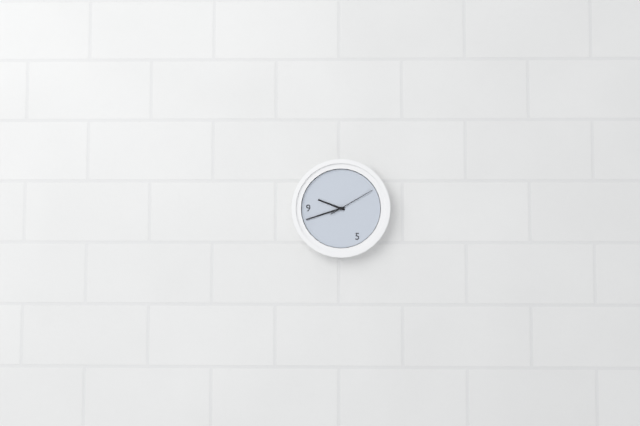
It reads 9h42
